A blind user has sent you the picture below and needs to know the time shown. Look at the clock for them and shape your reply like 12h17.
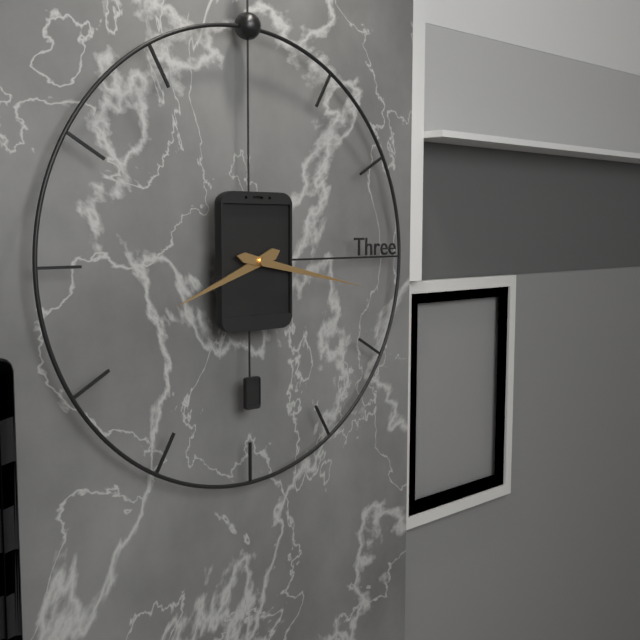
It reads 8h17
